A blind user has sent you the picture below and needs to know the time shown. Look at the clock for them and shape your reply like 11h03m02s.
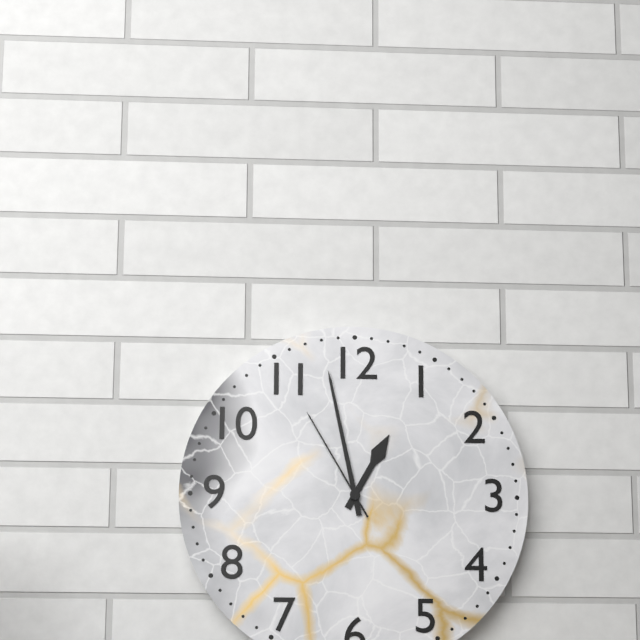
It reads 12h58m55s
